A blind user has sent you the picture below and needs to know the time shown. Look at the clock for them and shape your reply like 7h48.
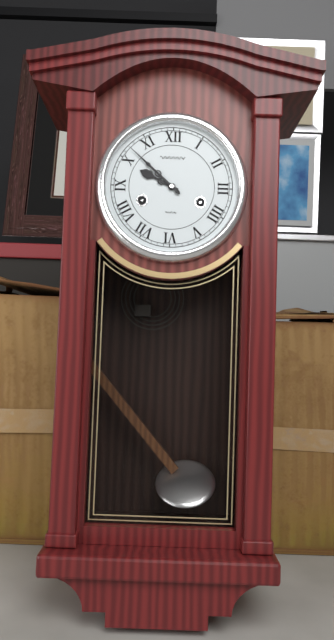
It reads 9h52
